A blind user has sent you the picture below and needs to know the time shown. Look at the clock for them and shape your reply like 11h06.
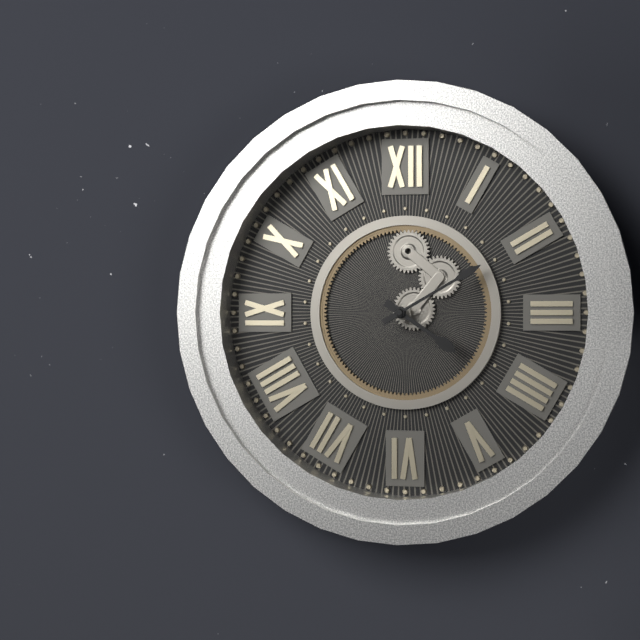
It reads 4h10
